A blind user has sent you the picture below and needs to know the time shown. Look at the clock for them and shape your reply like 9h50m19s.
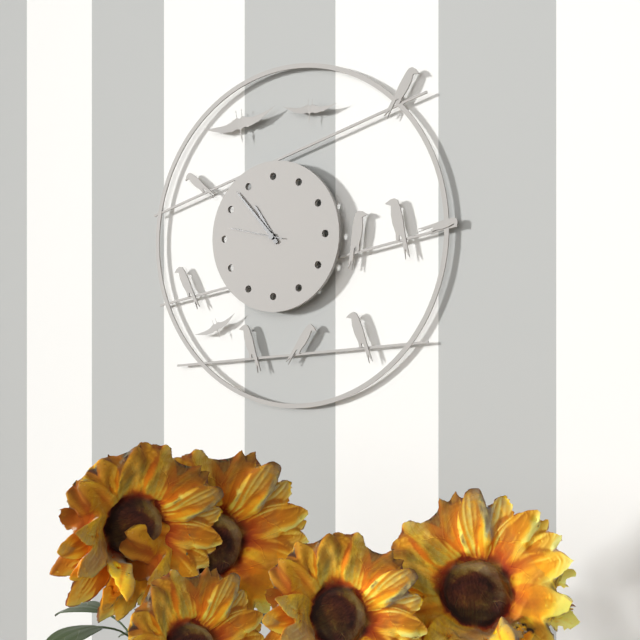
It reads 10h53m47s
